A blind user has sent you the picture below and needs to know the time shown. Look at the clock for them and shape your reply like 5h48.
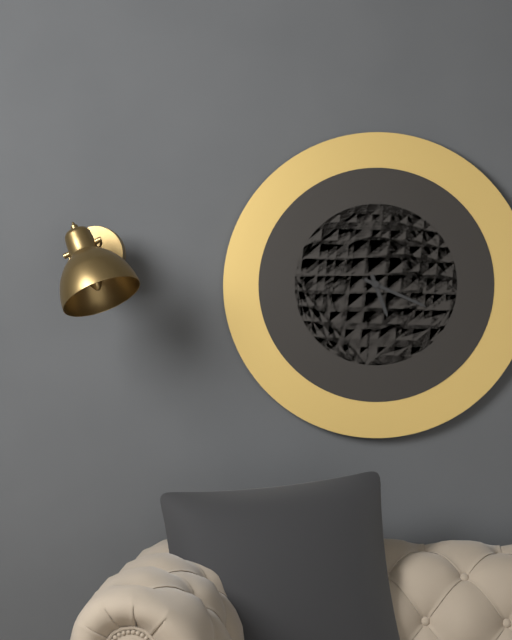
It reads 5h19
